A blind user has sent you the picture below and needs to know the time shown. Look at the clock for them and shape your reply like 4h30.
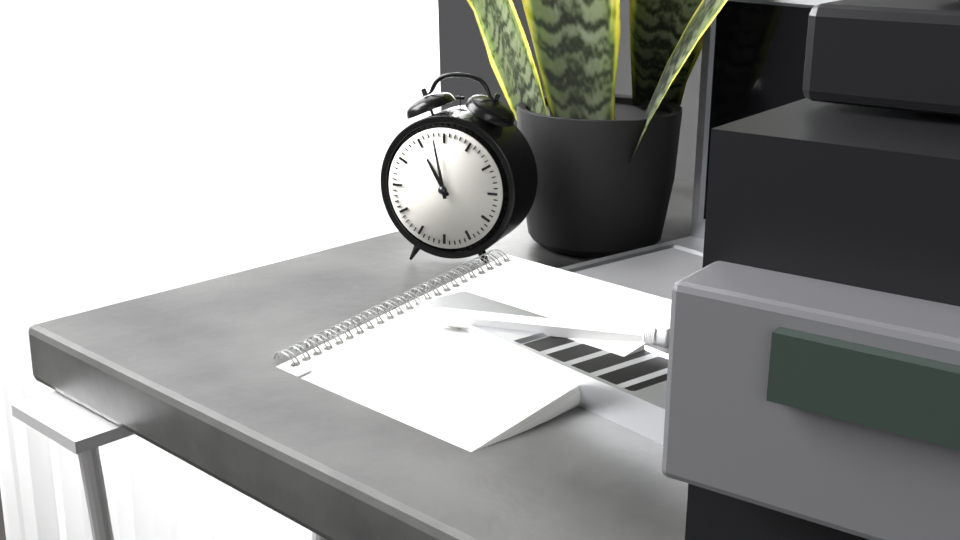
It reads 10h58
